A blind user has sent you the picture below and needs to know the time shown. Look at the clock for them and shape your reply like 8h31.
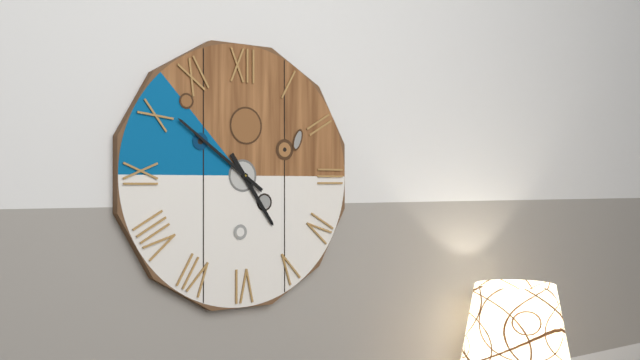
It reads 4h51
